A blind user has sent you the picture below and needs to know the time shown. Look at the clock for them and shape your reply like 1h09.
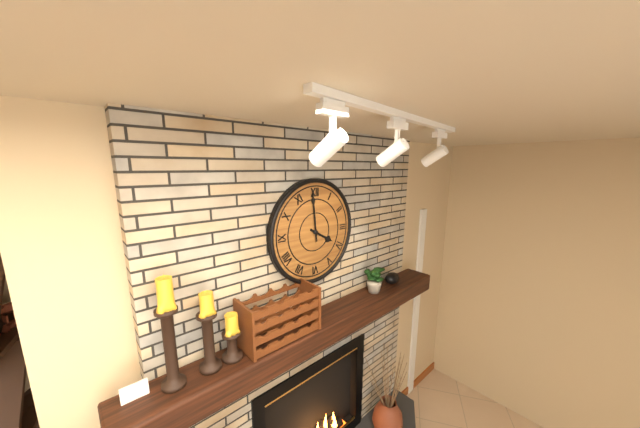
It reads 3h59
